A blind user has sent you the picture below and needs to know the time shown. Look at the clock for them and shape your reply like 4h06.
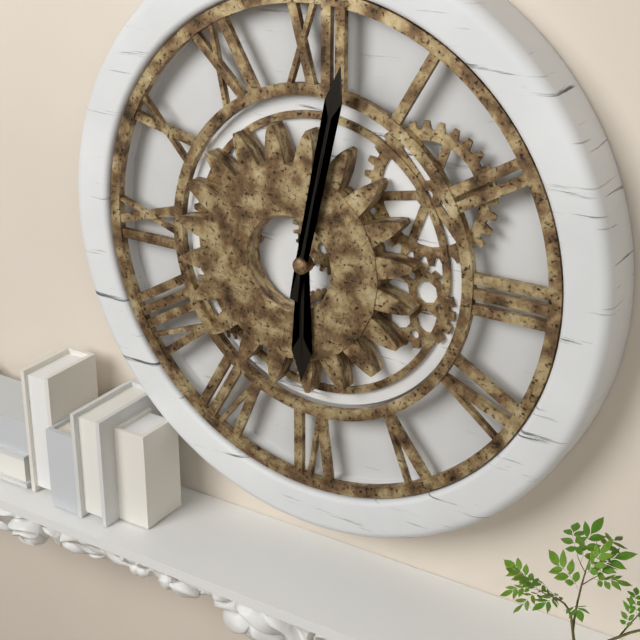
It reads 6h02
